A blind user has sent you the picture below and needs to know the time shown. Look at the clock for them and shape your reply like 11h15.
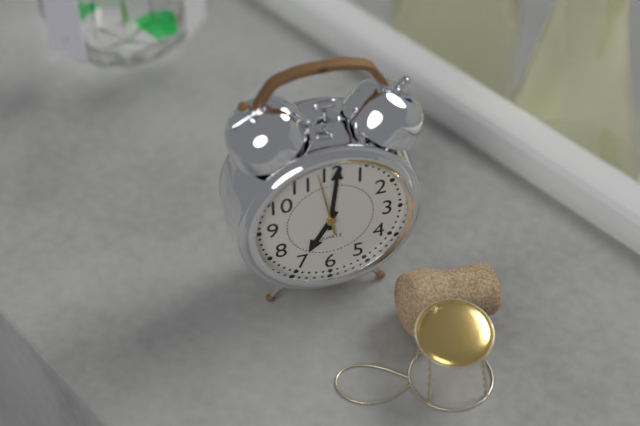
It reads 7h01
